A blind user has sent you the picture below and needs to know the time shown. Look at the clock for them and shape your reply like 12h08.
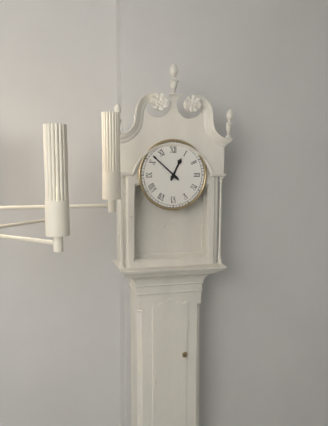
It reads 12h52
